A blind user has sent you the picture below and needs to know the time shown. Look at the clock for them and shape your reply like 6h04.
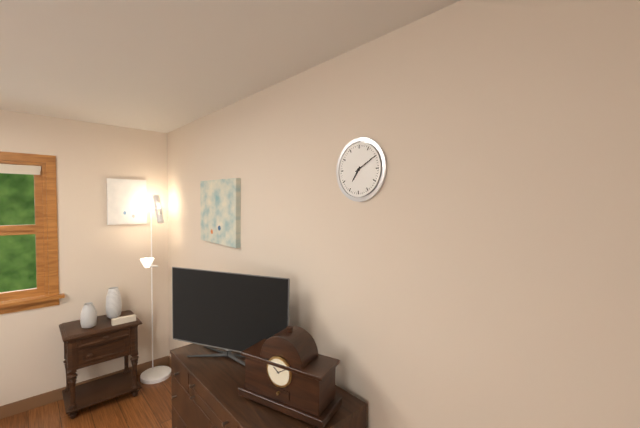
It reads 7h10
